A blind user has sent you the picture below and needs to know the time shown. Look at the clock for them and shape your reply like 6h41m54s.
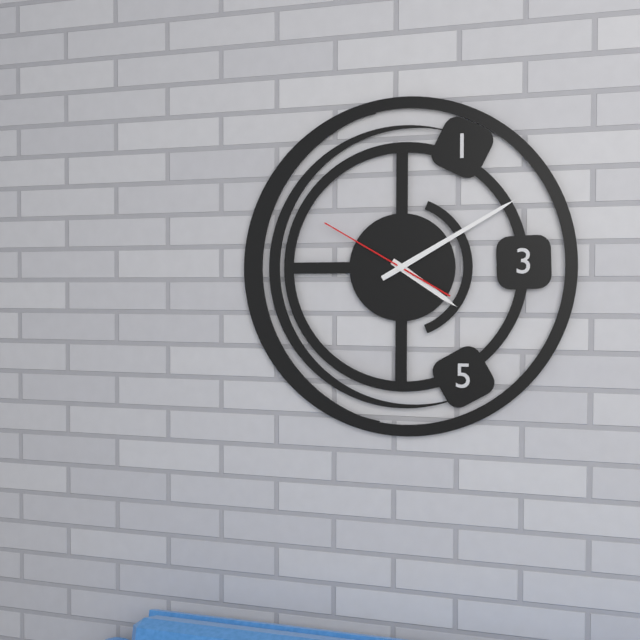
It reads 4h10m50s
